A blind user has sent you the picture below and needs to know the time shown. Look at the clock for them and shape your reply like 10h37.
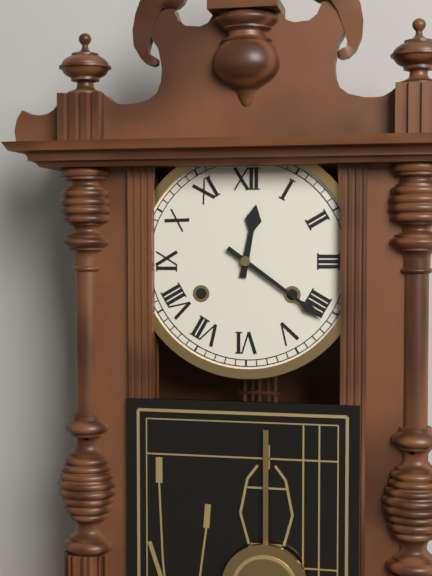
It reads 12h21
